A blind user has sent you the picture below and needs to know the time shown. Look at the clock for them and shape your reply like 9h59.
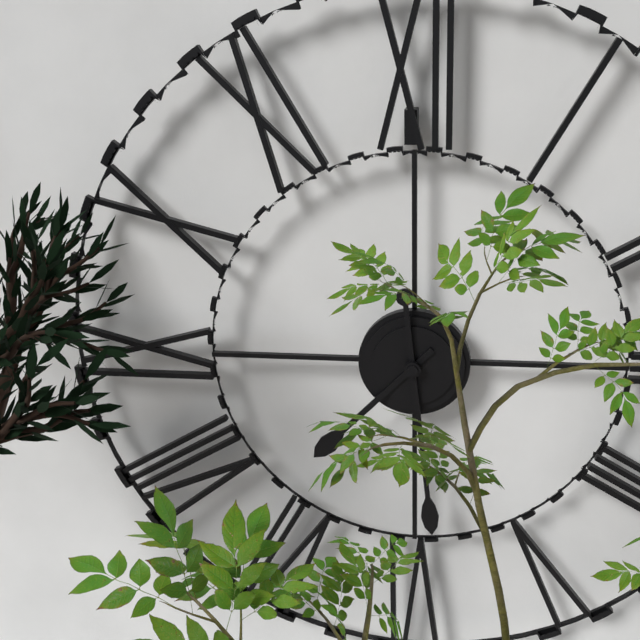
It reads 7h29
